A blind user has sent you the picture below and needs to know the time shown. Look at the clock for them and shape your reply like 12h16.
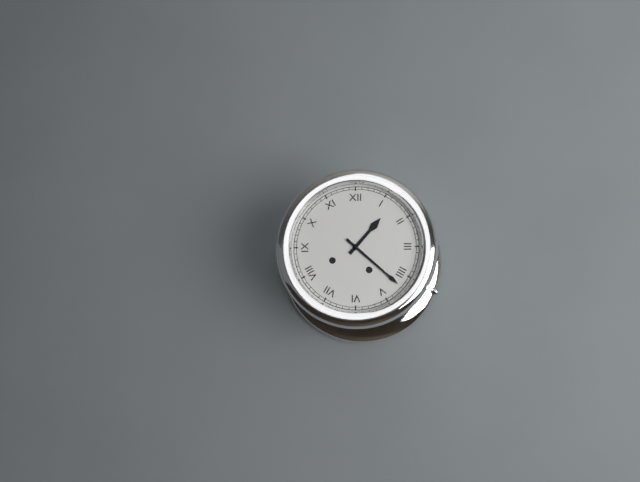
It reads 1h22
